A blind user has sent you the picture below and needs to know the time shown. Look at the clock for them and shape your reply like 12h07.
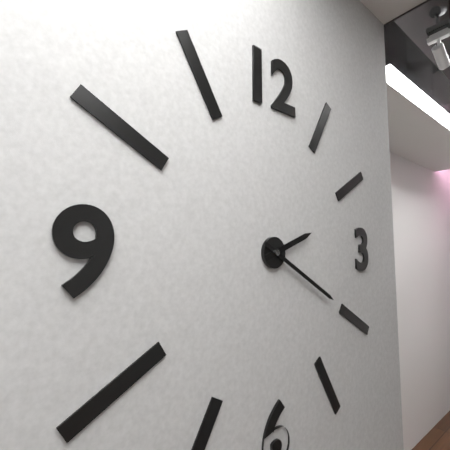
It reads 2h20
